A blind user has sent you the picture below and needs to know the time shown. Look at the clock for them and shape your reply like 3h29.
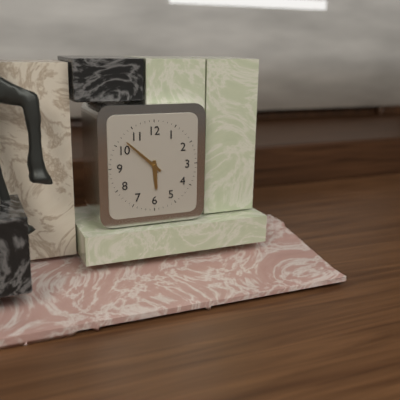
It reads 5h52
